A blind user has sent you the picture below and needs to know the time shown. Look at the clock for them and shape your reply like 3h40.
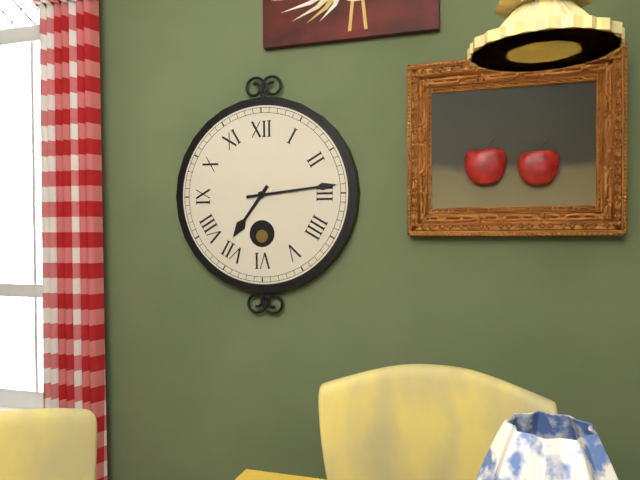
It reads 7h14
